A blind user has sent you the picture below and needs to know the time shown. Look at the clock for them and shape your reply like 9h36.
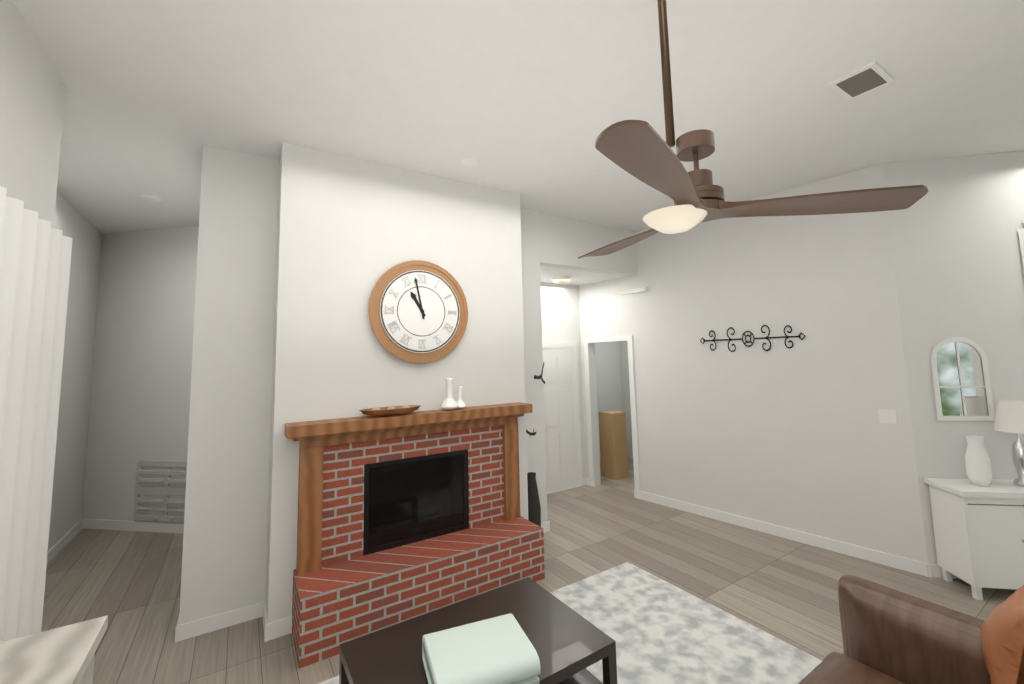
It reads 10h58
